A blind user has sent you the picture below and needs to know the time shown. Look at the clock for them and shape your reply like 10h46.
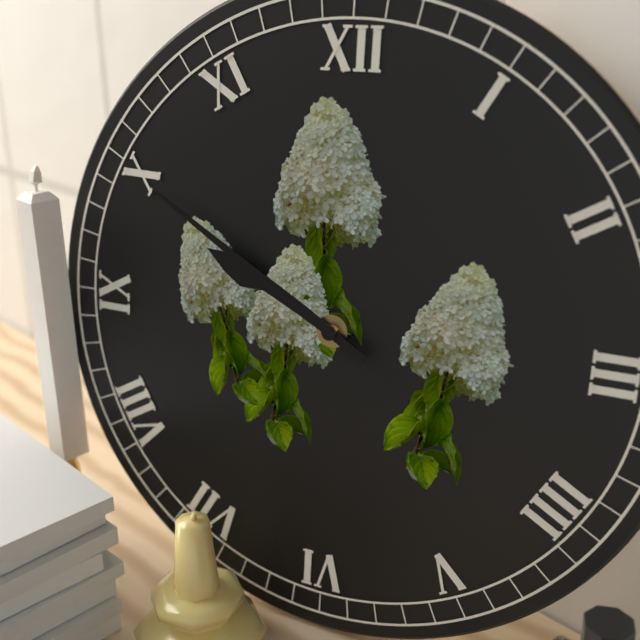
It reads 9h50
